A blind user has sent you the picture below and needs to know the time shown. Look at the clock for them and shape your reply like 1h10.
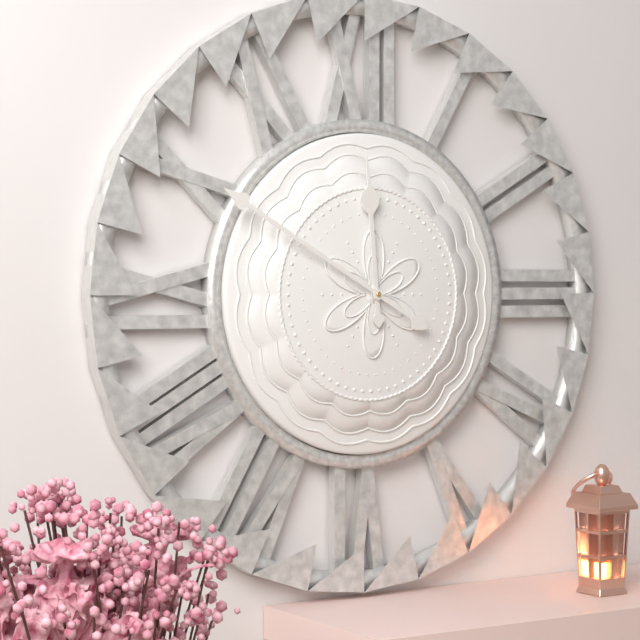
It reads 11h50
